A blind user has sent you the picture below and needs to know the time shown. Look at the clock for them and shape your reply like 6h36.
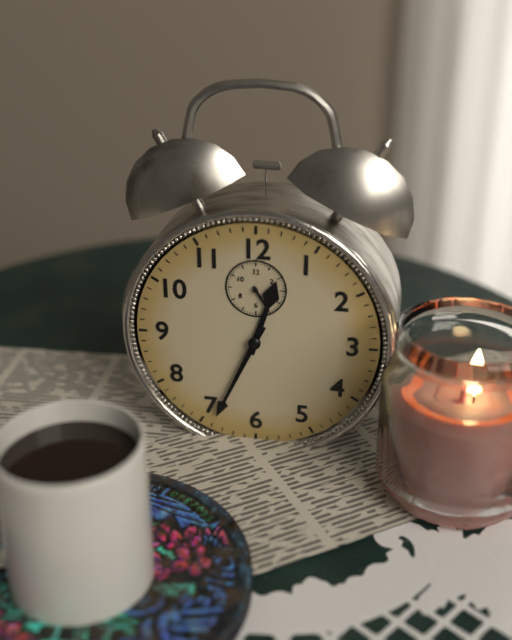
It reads 12h34
